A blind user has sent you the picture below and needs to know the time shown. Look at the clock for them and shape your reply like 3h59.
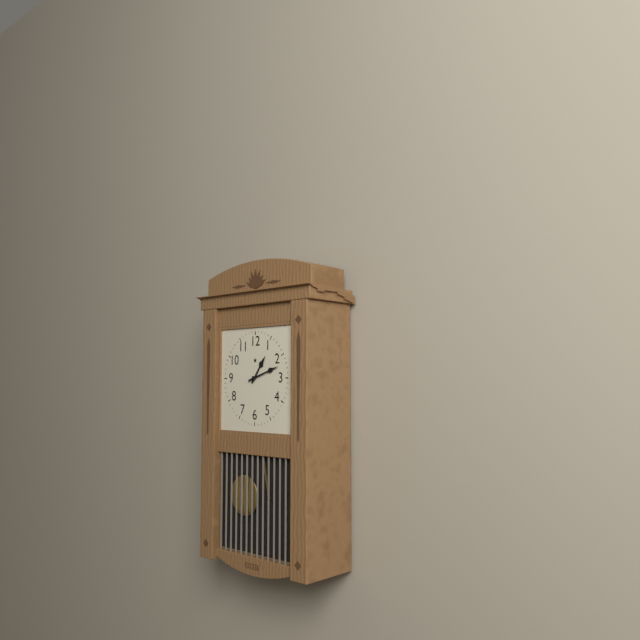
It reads 1h12
